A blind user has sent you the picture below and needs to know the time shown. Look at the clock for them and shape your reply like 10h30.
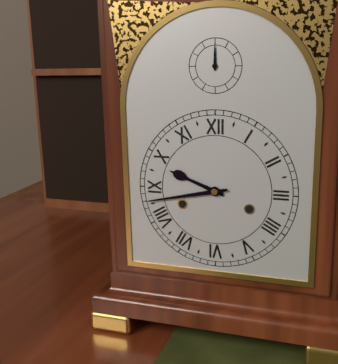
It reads 9h43
